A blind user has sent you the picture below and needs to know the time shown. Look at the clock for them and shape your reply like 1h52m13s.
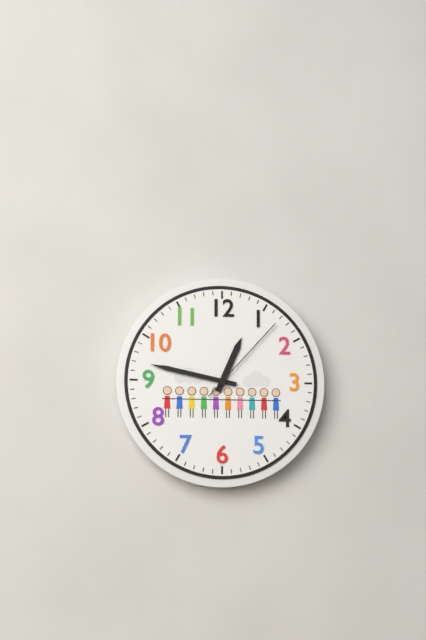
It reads 12h47m07s
